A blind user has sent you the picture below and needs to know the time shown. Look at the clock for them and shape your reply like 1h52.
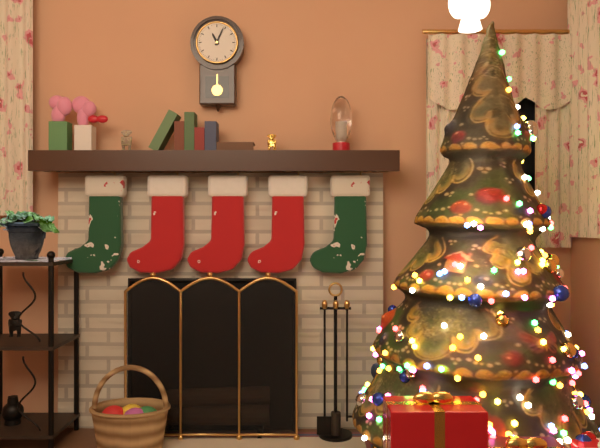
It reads 11h04
